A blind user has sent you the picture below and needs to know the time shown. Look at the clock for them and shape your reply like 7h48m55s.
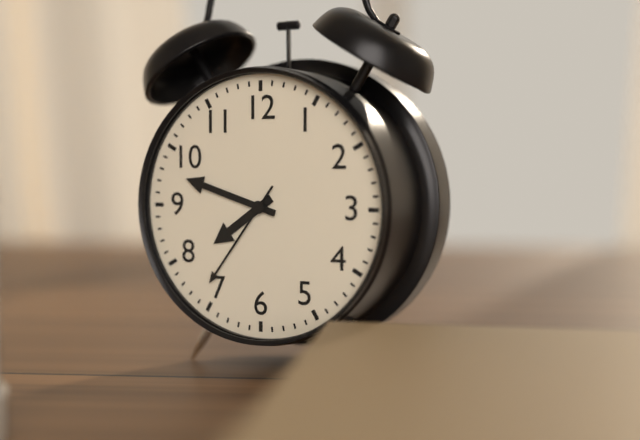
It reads 7h48m36s
